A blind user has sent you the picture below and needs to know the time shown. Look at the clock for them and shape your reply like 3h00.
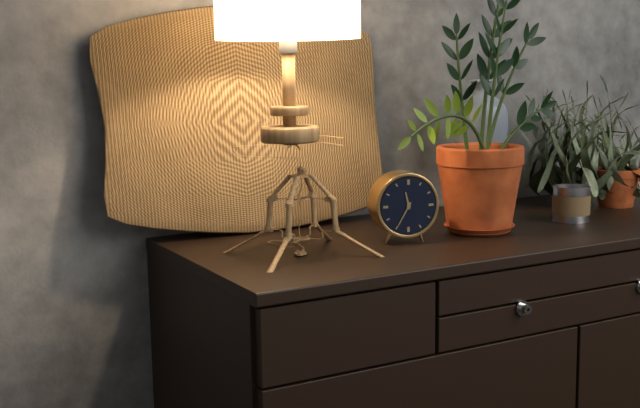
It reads 11h35
